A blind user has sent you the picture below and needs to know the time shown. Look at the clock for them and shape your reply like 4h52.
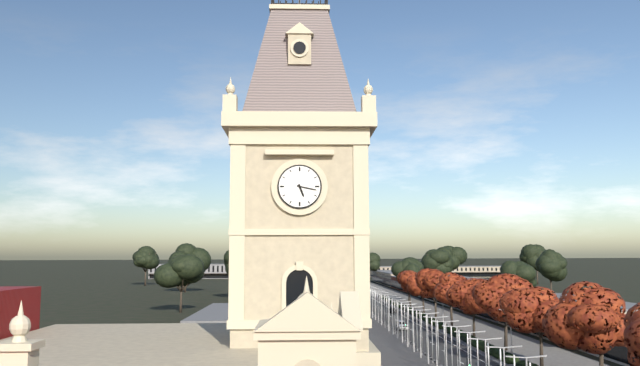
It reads 5h17
